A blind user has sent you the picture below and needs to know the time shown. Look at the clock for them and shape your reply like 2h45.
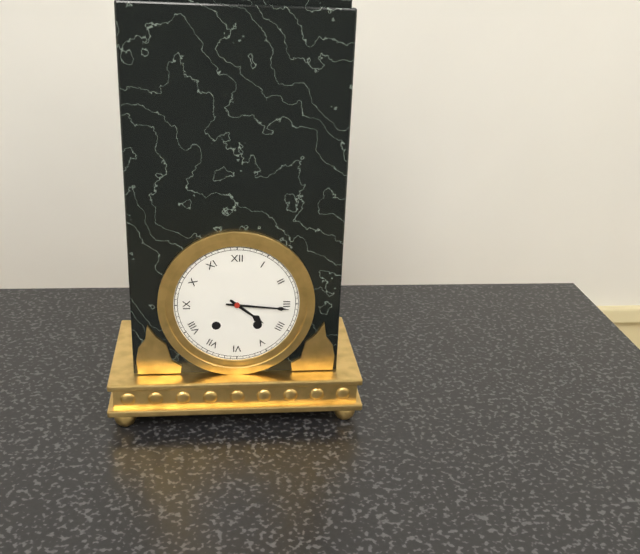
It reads 4h16
